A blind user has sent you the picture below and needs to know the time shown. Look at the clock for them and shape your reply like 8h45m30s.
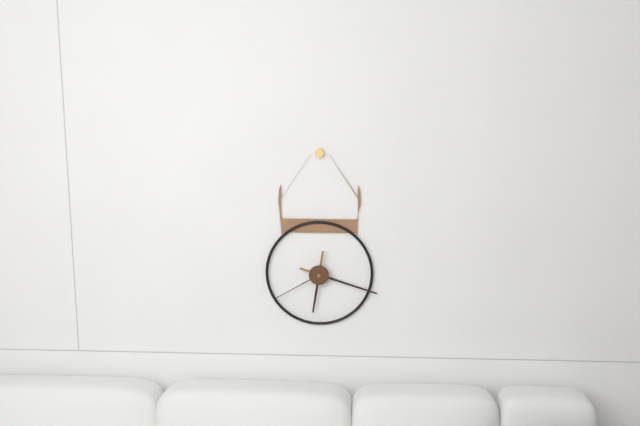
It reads 6h18m40s
